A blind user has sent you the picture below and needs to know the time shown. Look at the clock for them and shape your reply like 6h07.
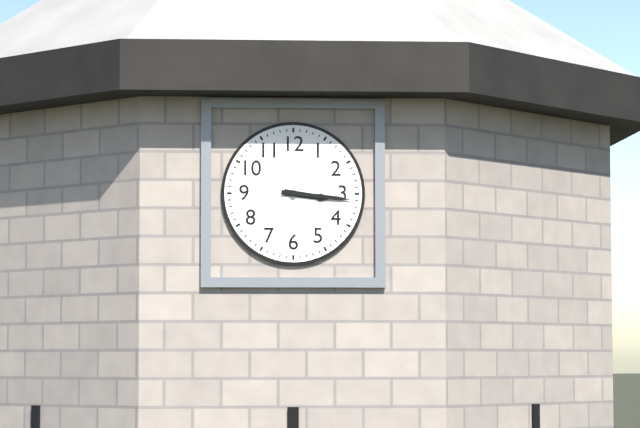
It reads 3h16
